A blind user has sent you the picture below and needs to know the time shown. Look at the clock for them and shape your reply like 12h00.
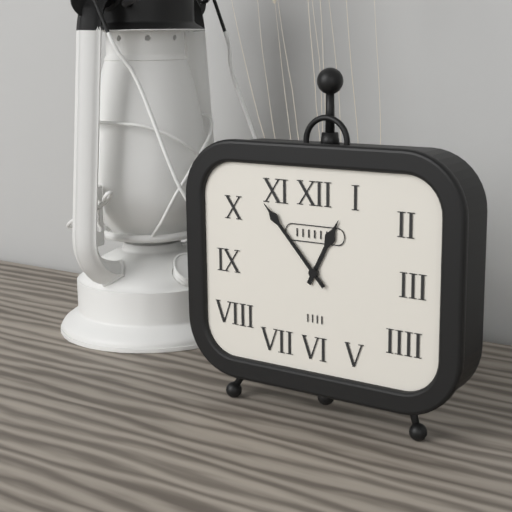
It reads 12h53
